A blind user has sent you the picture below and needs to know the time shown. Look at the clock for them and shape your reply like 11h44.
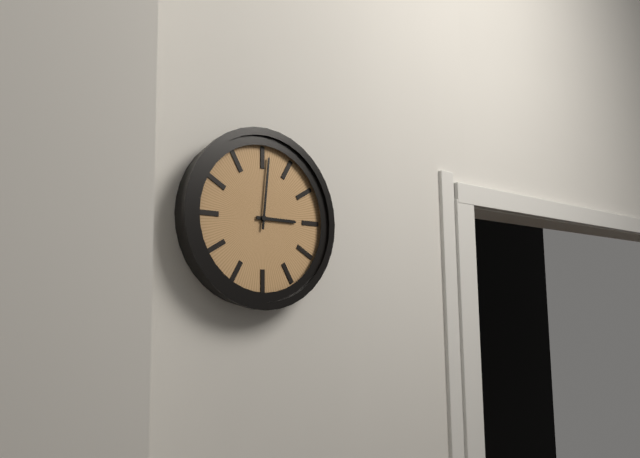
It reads 3h01
